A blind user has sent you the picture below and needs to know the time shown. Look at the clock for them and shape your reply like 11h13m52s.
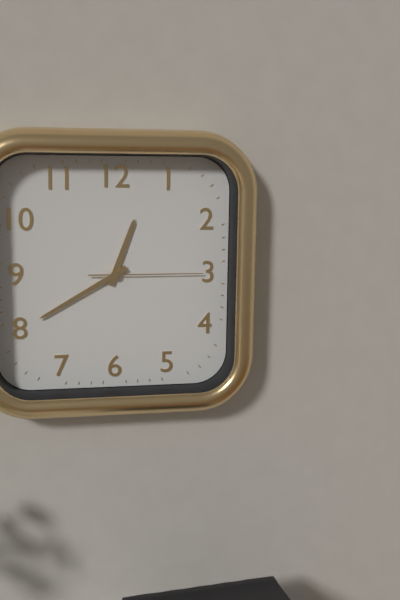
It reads 12h40m15s
